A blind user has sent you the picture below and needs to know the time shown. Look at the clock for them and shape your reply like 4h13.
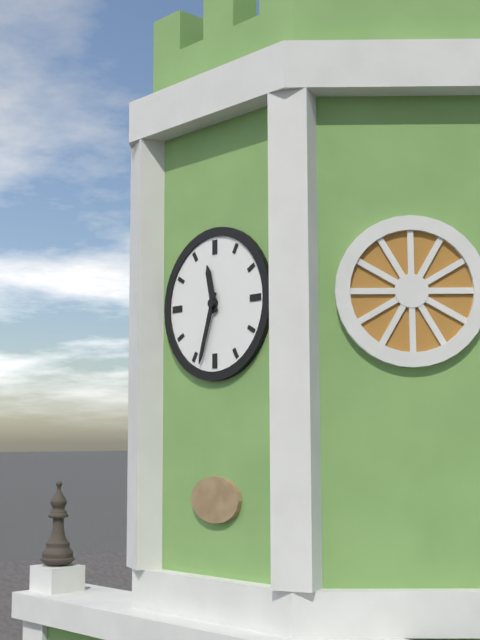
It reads 11h33
